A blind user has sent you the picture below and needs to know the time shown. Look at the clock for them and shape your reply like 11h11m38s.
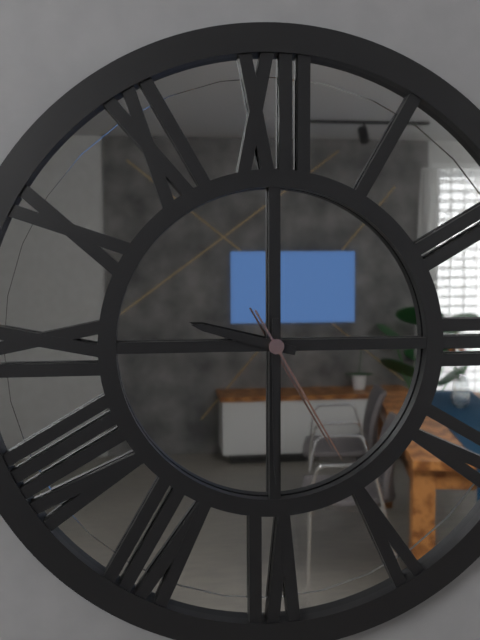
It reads 9h30m25s
